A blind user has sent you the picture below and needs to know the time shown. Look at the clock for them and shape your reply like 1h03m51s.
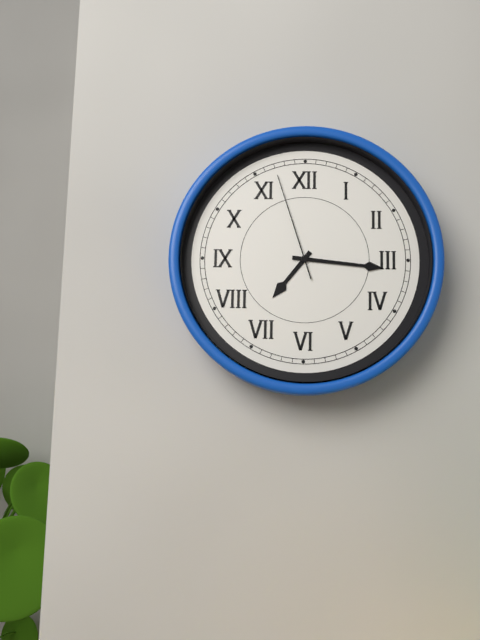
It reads 7h16m57s
